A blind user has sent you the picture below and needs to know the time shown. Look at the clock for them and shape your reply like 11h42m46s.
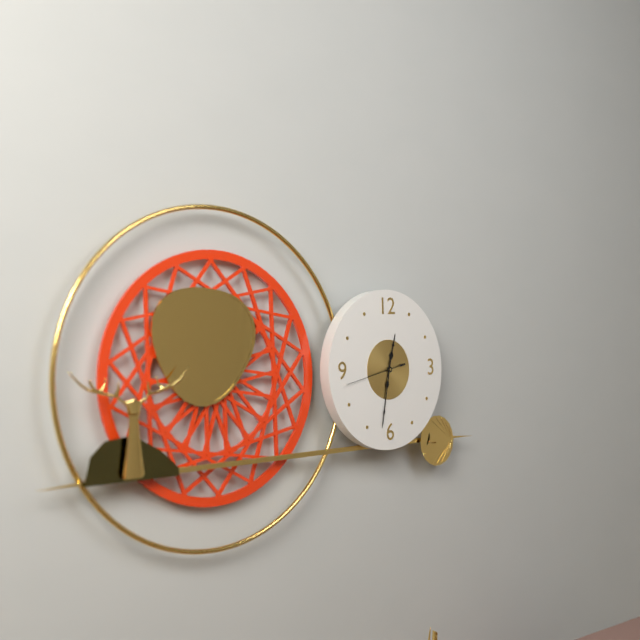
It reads 12h32m43s
